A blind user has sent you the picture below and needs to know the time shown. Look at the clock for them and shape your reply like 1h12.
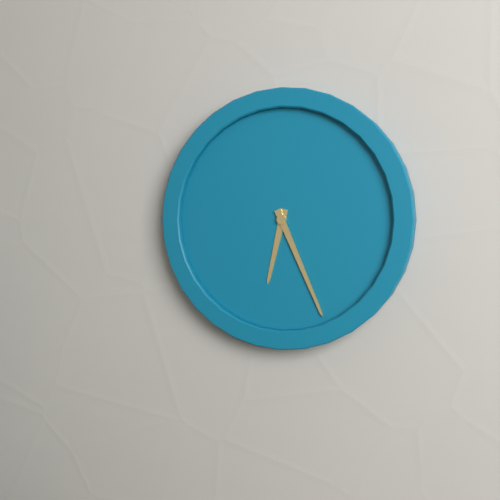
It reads 6h26
